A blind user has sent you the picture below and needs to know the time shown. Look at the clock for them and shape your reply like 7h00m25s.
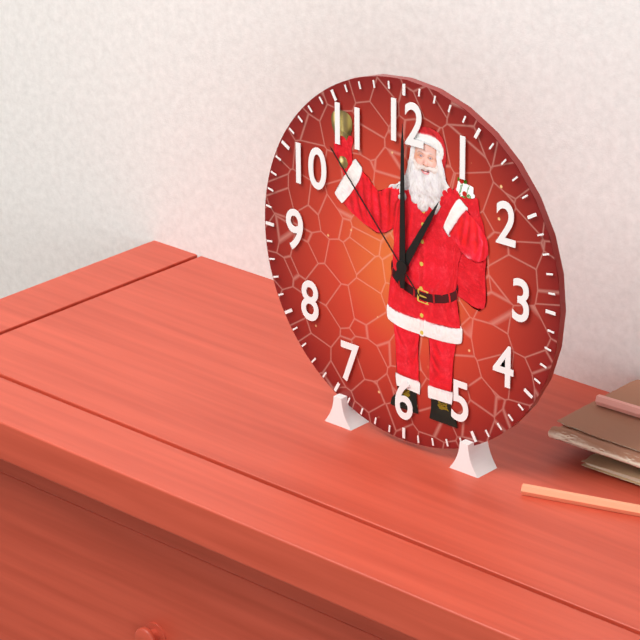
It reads 1h00m53s
